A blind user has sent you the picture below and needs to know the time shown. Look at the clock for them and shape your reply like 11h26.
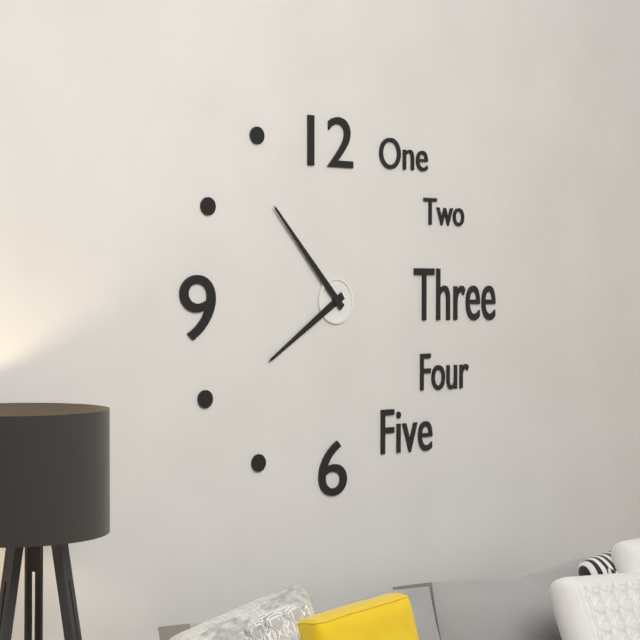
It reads 7h53
